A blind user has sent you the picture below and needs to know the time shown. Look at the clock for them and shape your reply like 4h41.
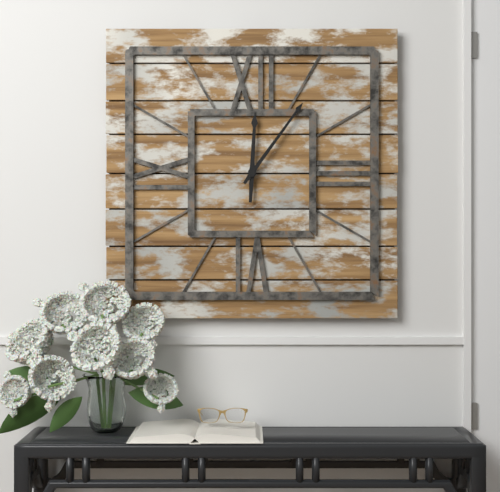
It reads 12h06
